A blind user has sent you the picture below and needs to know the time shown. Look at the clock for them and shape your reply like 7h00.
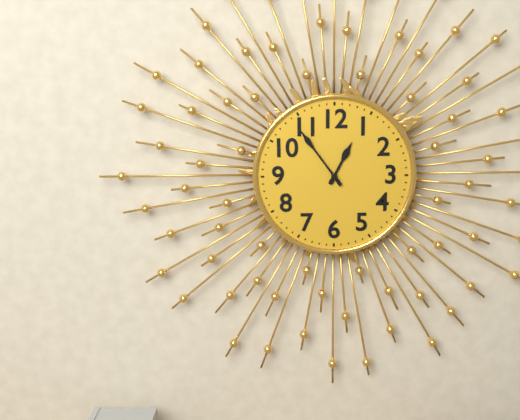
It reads 12h54
